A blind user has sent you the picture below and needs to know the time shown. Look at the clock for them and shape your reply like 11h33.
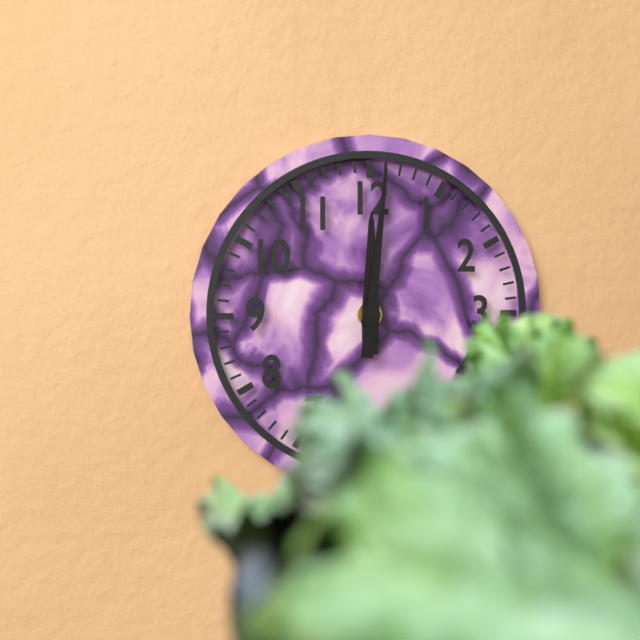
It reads 12h01
